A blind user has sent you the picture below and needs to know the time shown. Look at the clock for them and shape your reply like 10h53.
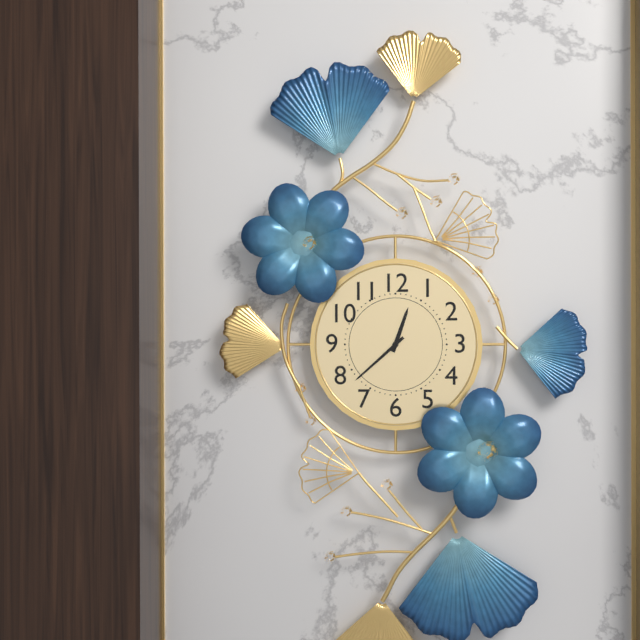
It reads 12h38
